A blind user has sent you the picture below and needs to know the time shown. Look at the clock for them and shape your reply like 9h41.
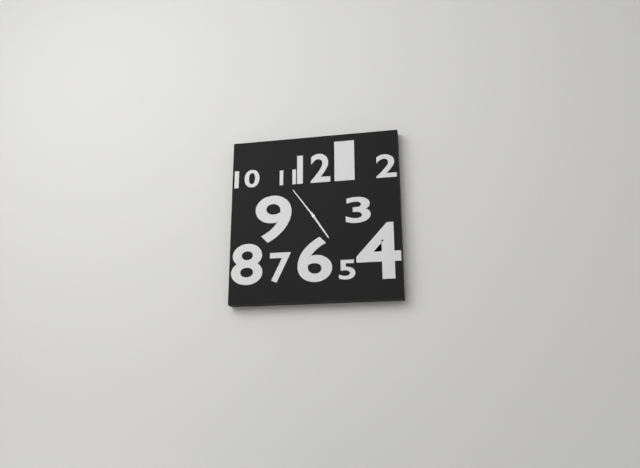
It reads 4h54
